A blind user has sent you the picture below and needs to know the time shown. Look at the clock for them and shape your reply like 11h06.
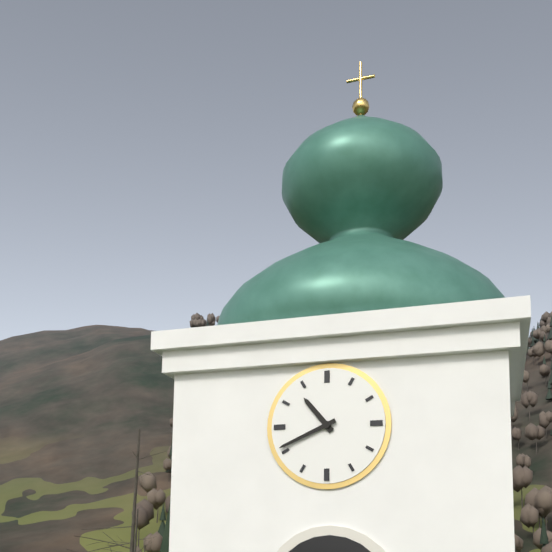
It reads 10h41
